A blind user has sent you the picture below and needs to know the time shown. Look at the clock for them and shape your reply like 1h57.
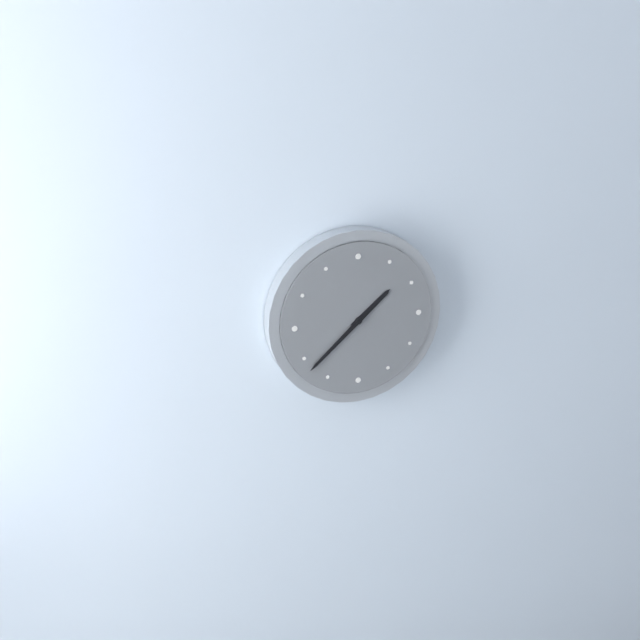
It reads 1h38
